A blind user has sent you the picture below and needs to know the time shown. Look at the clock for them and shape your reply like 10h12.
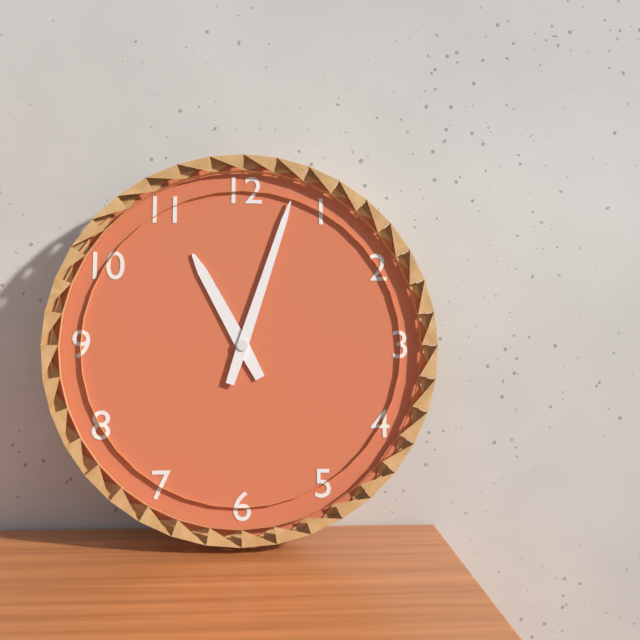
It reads 11h03
